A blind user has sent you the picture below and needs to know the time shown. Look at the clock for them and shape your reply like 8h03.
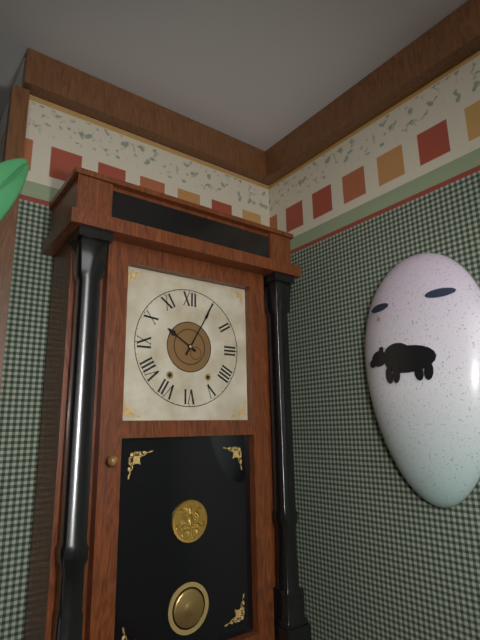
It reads 10h05
